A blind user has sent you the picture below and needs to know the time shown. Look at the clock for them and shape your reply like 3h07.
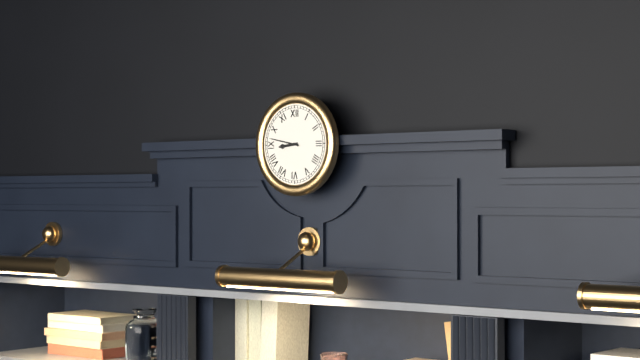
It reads 8h47
